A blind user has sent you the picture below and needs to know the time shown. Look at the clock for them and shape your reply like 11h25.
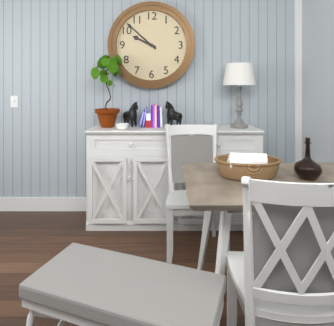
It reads 9h52
